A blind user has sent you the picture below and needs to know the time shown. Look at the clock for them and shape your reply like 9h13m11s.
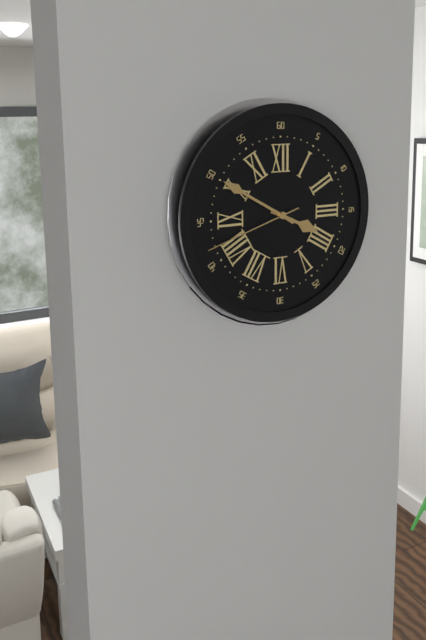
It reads 3h50m42s
